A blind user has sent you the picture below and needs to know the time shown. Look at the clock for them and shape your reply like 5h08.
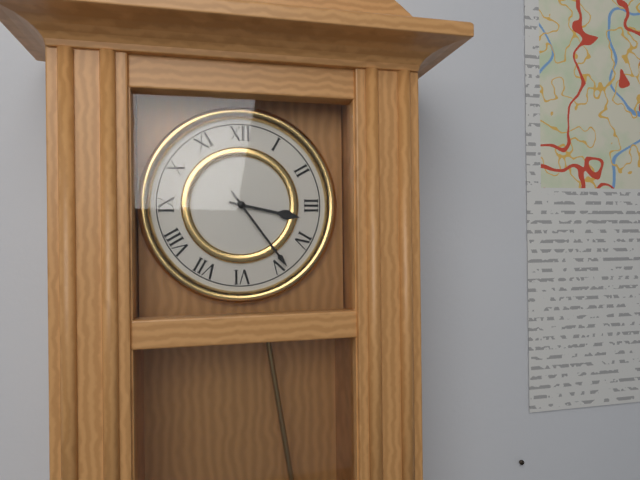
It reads 3h24
